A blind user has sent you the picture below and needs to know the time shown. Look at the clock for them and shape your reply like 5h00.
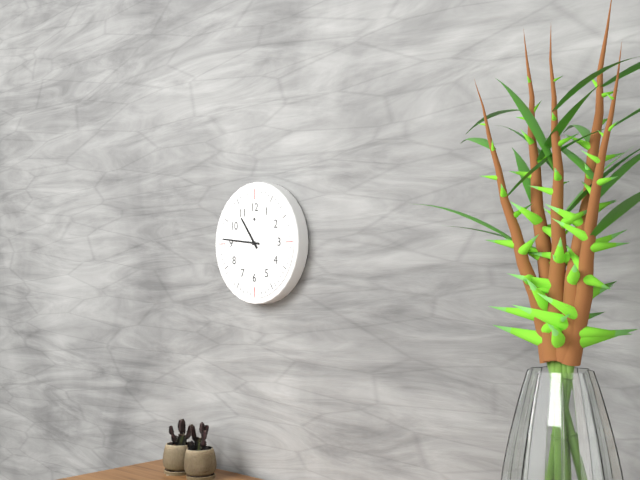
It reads 10h46
